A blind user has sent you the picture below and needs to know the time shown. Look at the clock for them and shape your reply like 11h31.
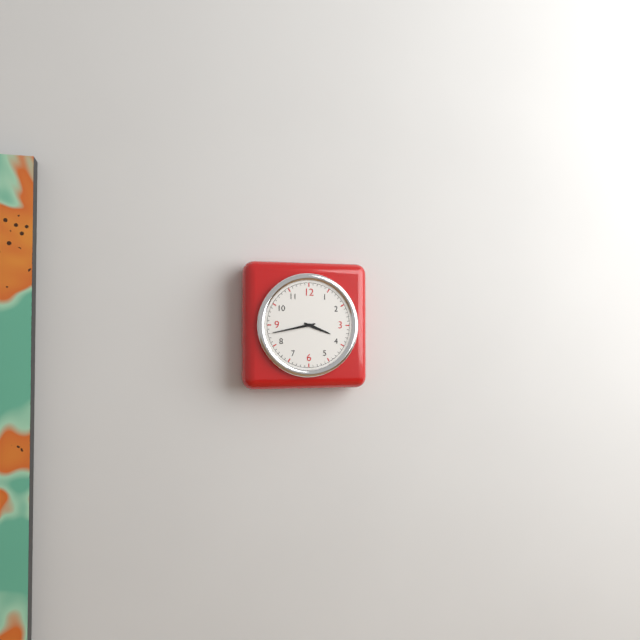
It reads 3h43
